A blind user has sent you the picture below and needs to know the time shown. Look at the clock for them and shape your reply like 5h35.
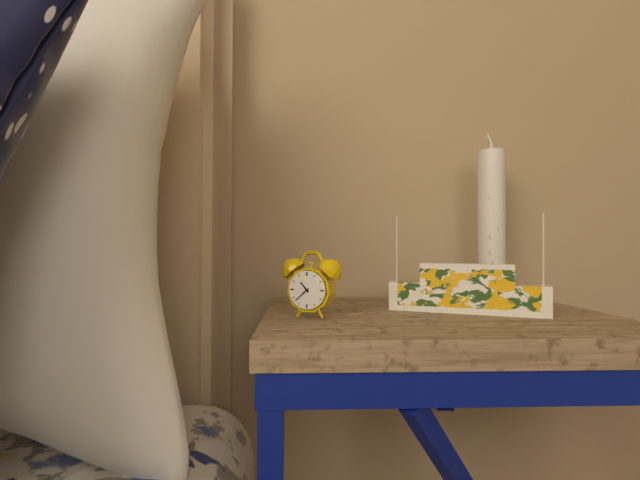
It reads 10h38
